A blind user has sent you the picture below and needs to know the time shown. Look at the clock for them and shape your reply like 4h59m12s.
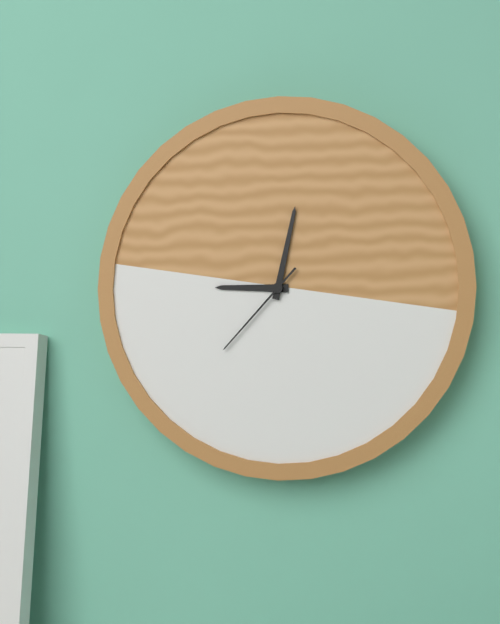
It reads 9h02m37s
